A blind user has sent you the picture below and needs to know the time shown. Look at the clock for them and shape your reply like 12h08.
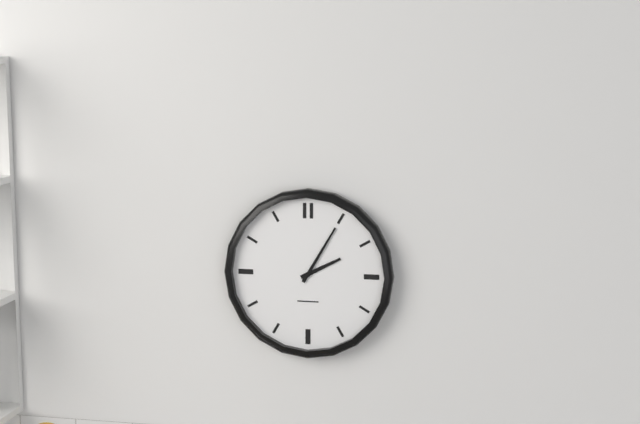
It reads 2h05
